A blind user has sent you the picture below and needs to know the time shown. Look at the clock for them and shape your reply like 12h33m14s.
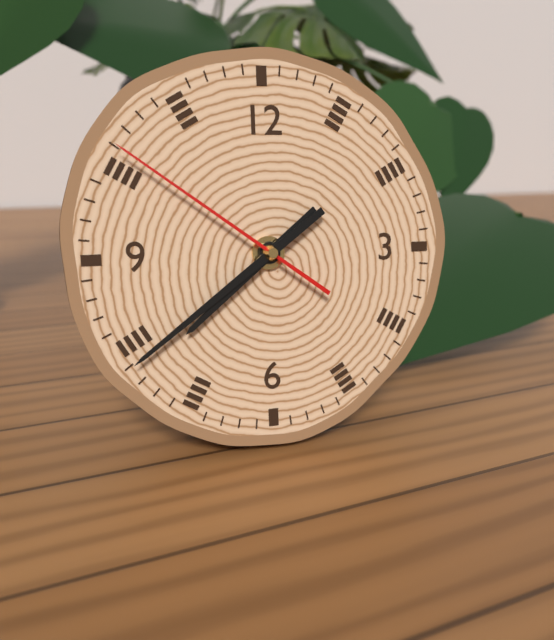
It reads 7h39m51s
